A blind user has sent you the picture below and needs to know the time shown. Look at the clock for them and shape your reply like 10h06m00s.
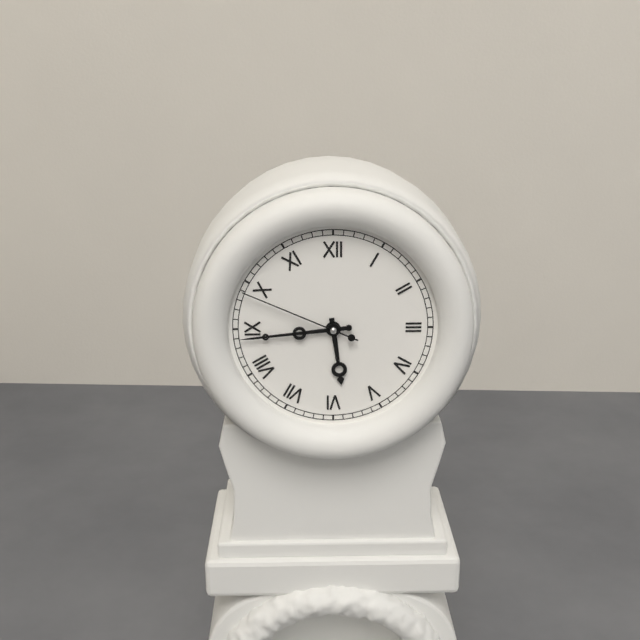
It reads 5h44m49s
